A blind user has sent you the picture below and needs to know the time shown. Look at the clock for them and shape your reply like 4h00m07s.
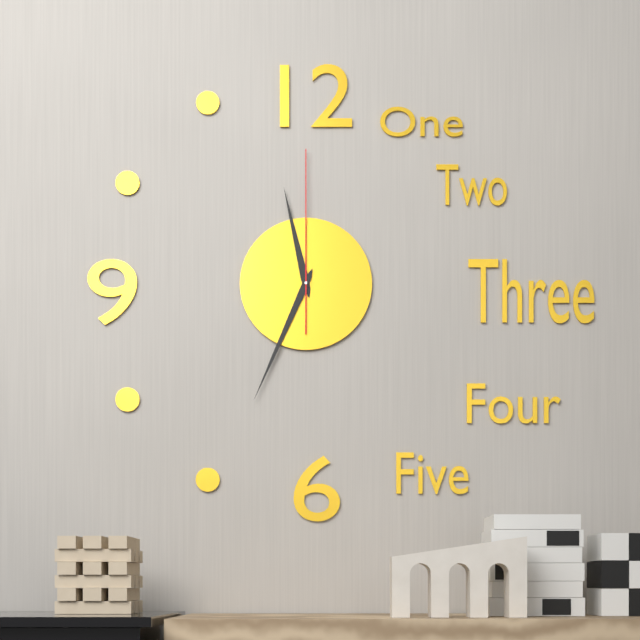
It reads 11h34m00s
